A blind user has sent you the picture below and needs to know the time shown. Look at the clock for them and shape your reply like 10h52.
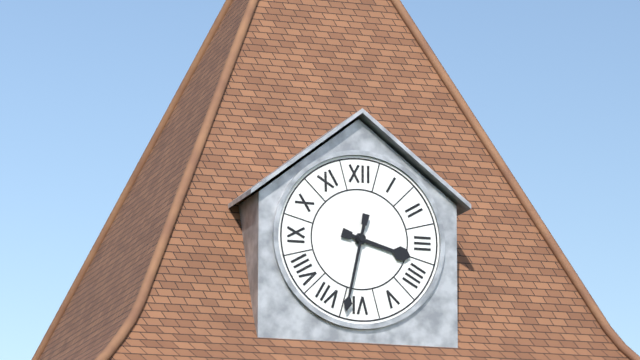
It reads 3h32
